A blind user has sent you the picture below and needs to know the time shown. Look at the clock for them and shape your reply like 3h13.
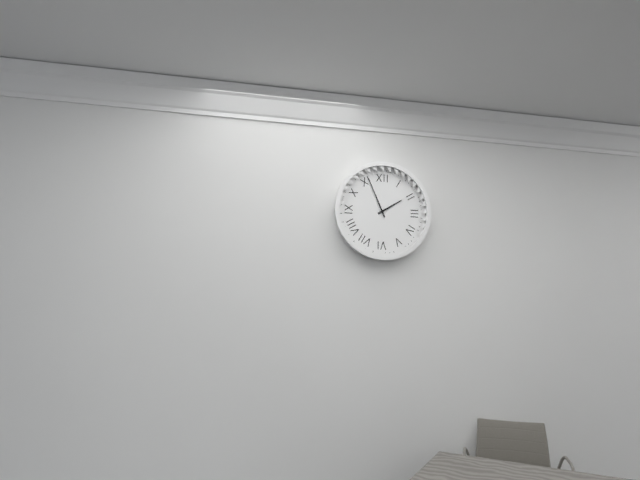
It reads 1h56
